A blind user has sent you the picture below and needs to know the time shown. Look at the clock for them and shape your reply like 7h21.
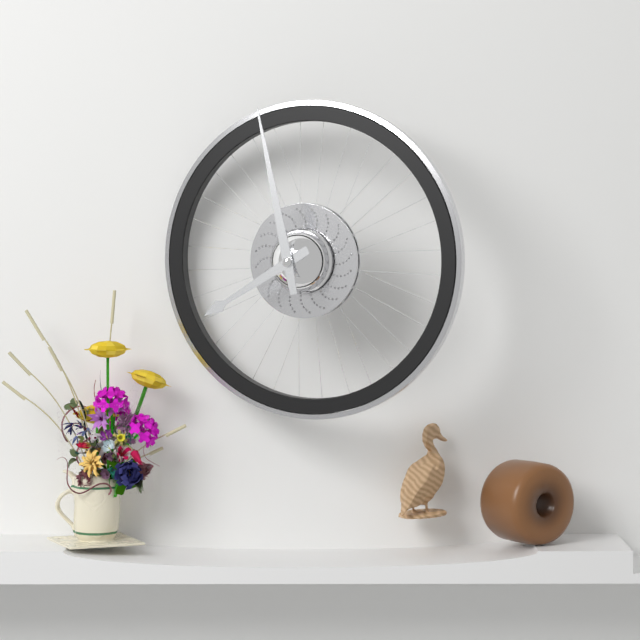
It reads 7h58
